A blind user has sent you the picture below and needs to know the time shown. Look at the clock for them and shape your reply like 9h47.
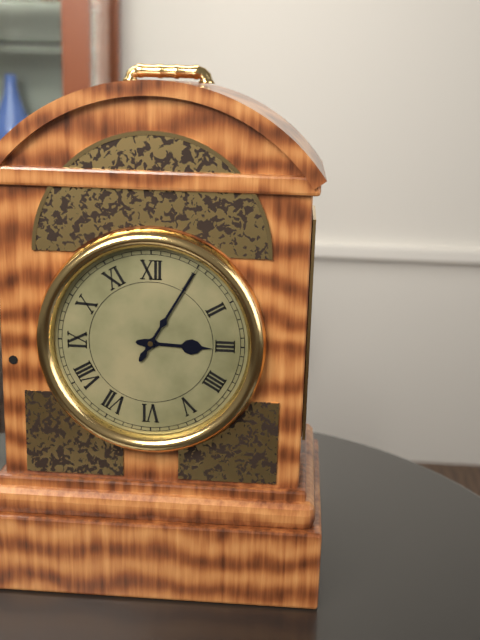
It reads 3h05
